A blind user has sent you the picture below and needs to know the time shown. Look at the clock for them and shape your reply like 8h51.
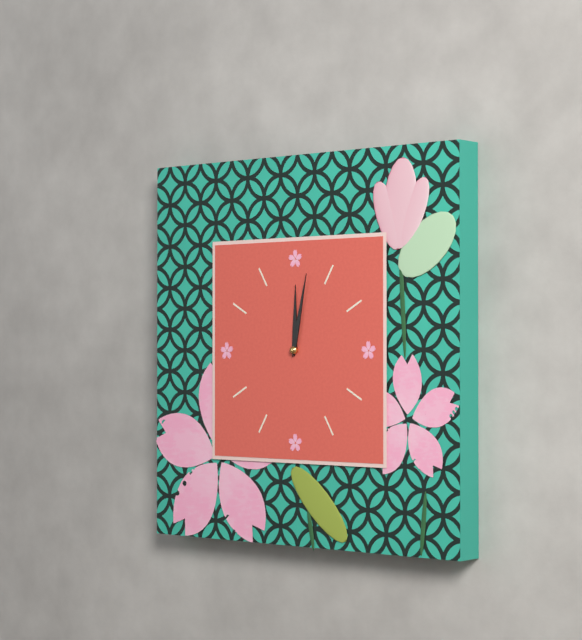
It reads 12h02
